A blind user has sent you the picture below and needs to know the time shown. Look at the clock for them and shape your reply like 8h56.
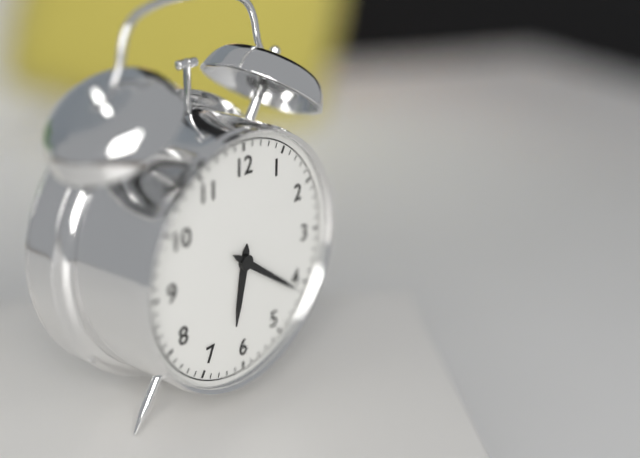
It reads 6h21
